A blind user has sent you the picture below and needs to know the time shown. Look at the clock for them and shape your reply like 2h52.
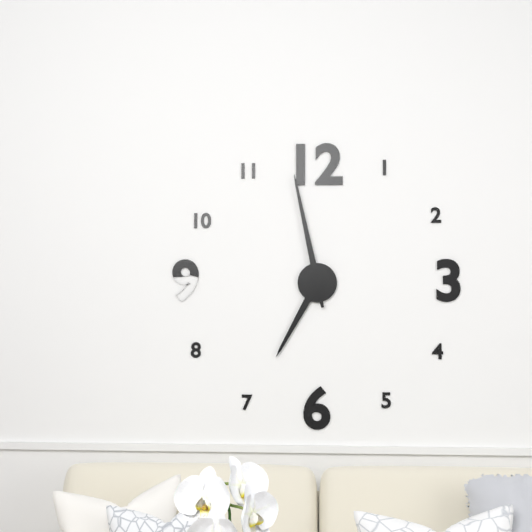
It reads 6h58
